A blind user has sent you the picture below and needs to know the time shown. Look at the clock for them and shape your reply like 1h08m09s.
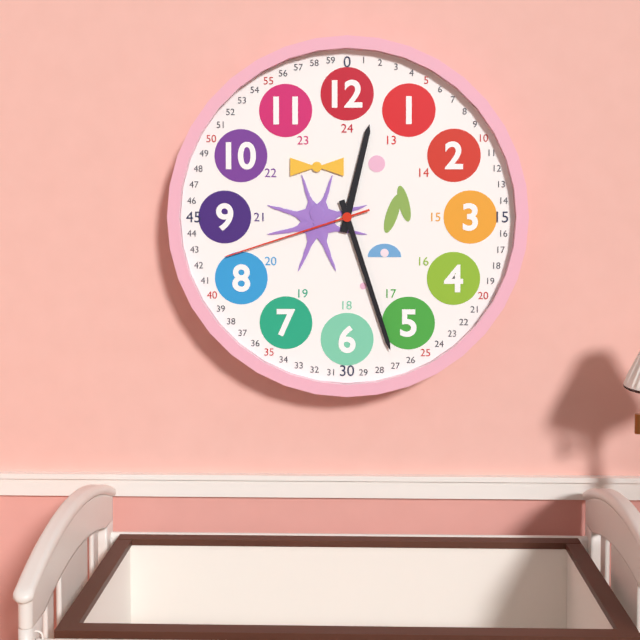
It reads 12h27m42s
